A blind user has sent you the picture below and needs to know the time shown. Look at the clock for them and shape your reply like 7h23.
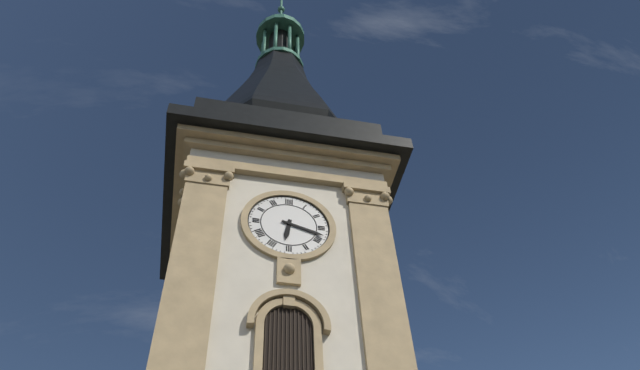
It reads 6h18
